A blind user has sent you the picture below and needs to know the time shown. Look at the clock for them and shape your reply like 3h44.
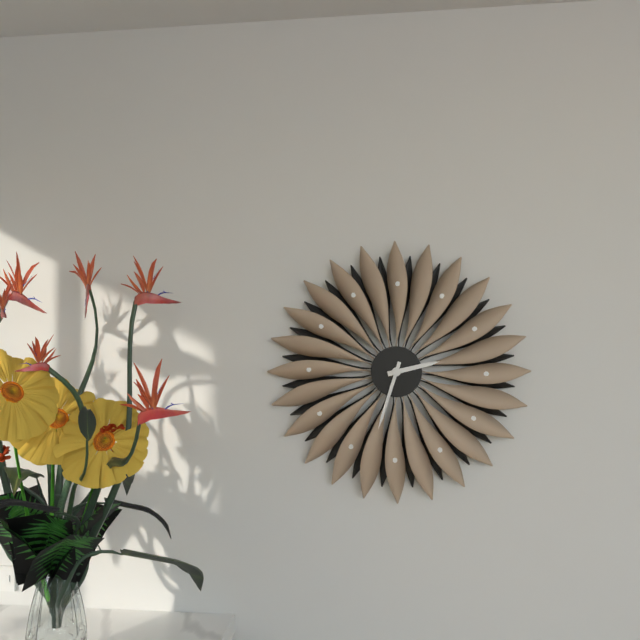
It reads 2h33
